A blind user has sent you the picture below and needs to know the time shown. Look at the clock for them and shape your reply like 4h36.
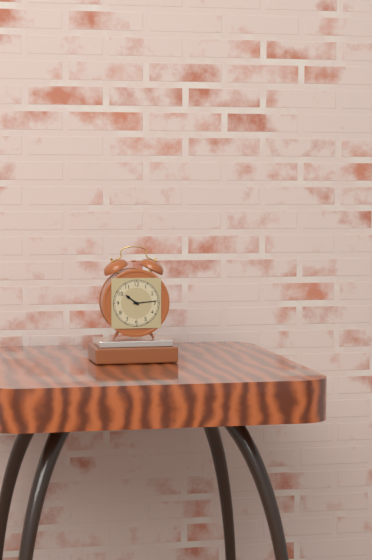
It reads 10h14
